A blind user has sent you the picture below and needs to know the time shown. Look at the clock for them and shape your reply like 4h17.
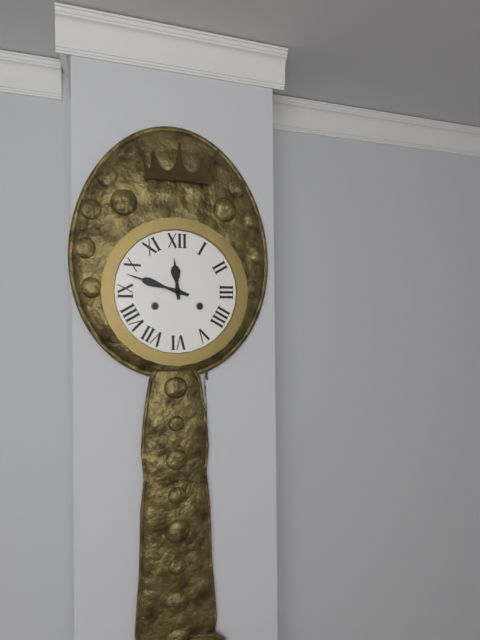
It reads 11h48
